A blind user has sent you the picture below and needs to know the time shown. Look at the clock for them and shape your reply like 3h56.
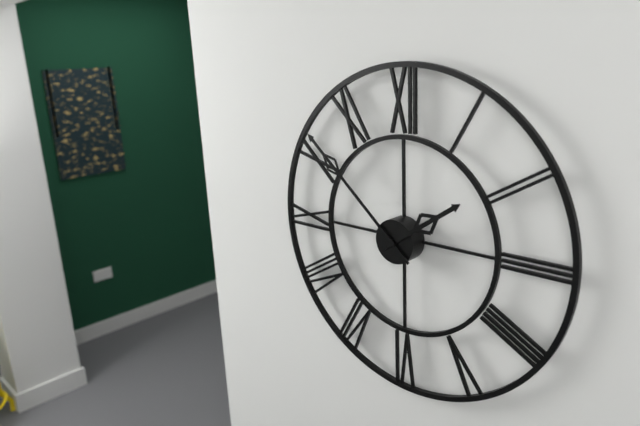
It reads 1h52
